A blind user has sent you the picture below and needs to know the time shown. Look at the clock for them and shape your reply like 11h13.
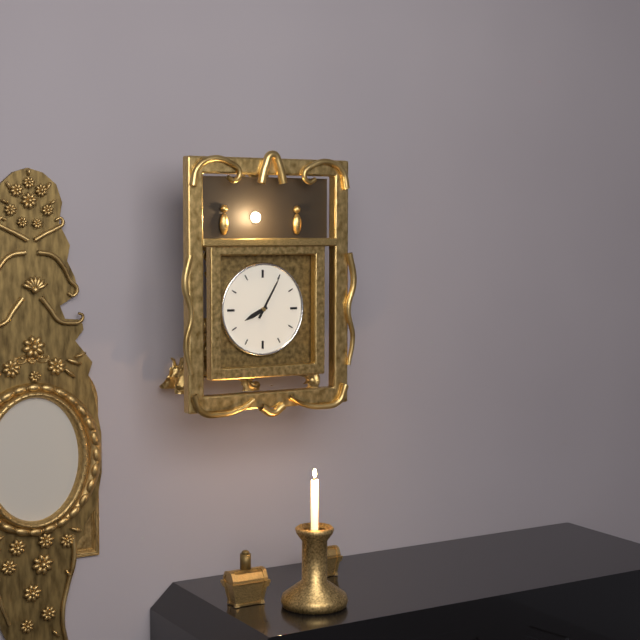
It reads 8h05
